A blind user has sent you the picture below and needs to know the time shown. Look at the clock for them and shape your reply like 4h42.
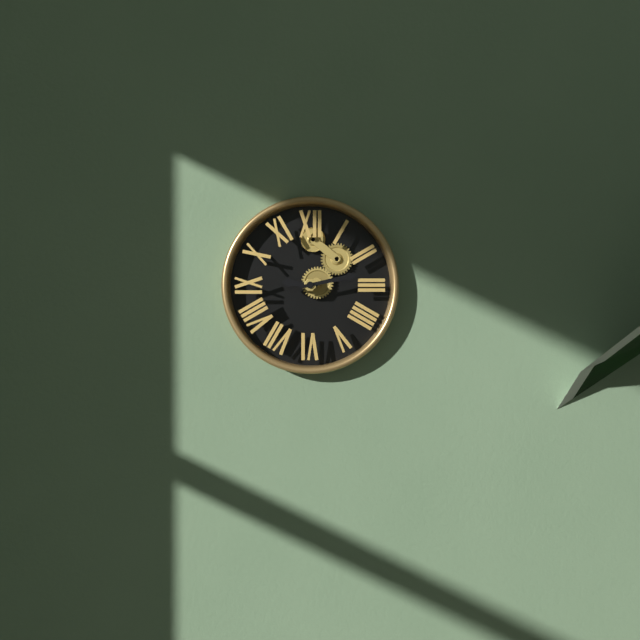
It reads 9h13
